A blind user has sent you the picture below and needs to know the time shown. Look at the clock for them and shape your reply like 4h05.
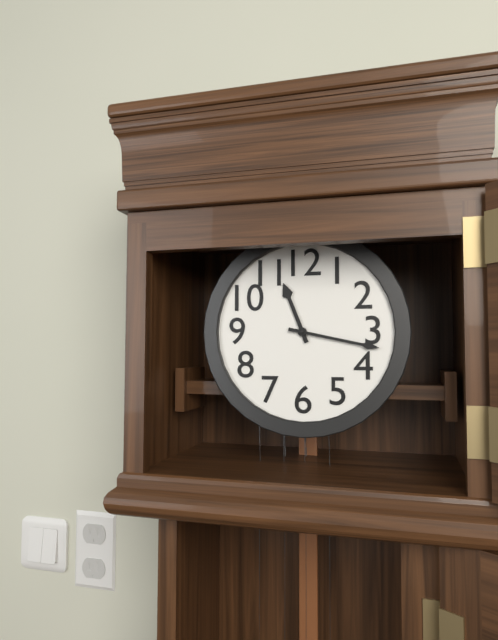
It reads 11h17
